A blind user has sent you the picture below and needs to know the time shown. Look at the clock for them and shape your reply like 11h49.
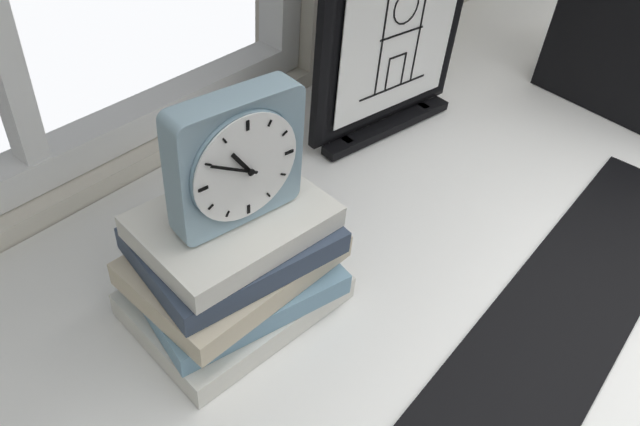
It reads 10h50
